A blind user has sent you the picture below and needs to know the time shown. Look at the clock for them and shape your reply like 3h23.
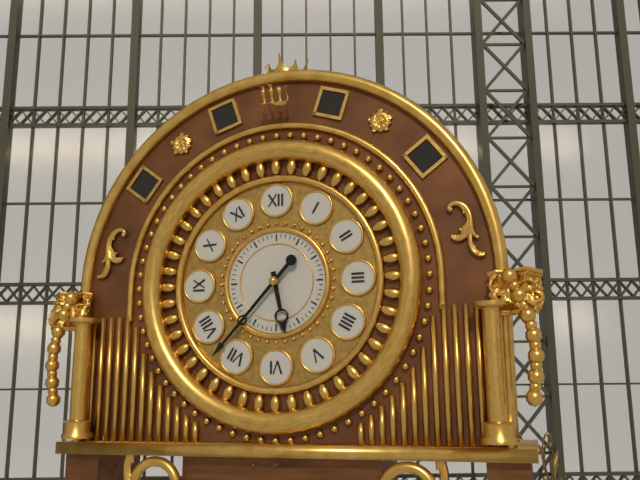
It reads 5h37
